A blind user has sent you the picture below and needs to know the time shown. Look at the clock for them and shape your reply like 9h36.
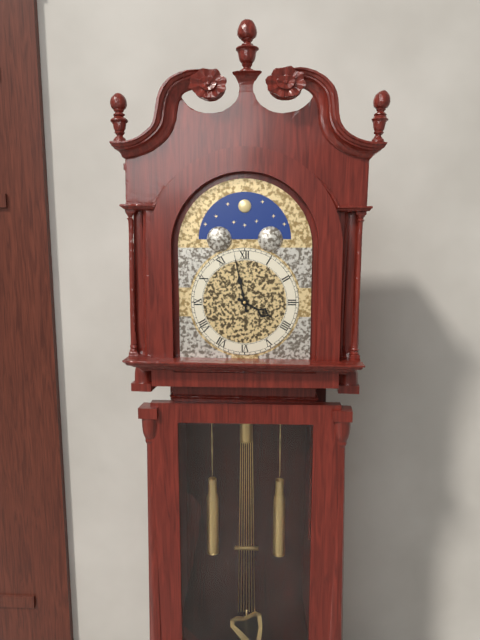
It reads 3h58
